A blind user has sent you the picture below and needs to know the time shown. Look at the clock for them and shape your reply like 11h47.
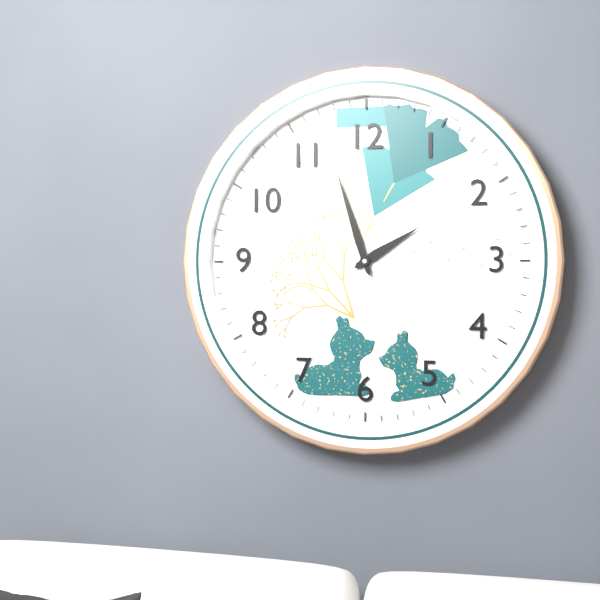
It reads 1h57
